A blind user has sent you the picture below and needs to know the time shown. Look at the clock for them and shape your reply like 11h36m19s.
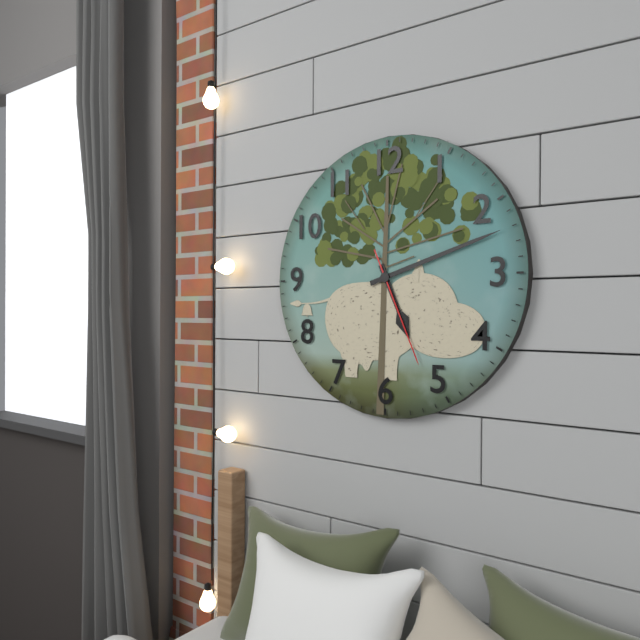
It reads 5h12m26s
